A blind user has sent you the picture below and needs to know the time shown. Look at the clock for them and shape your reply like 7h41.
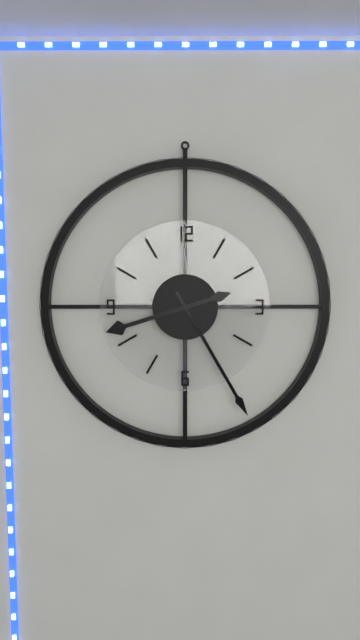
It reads 8h25
